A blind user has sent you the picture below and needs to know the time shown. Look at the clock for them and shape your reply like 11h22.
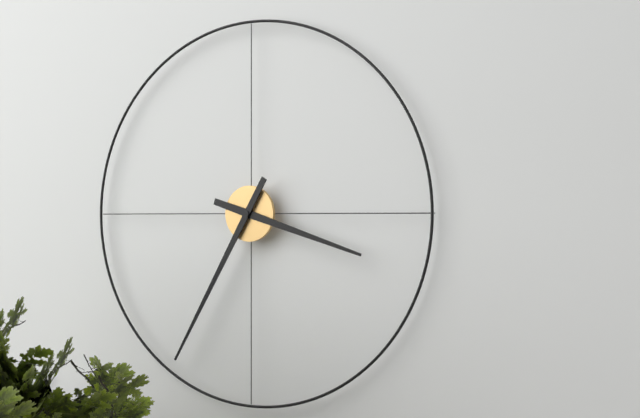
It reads 3h35
